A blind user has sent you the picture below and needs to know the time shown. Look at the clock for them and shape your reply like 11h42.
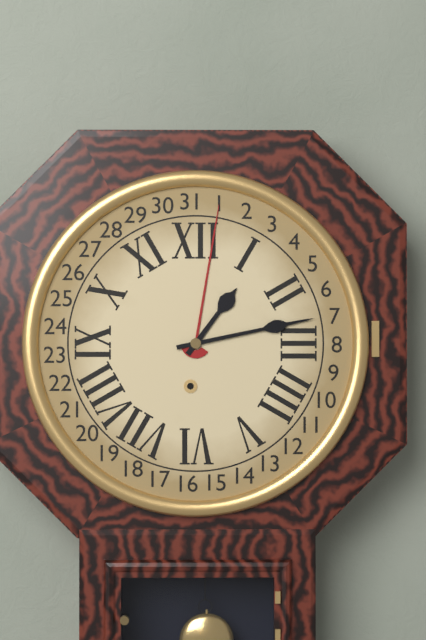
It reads 1h13
